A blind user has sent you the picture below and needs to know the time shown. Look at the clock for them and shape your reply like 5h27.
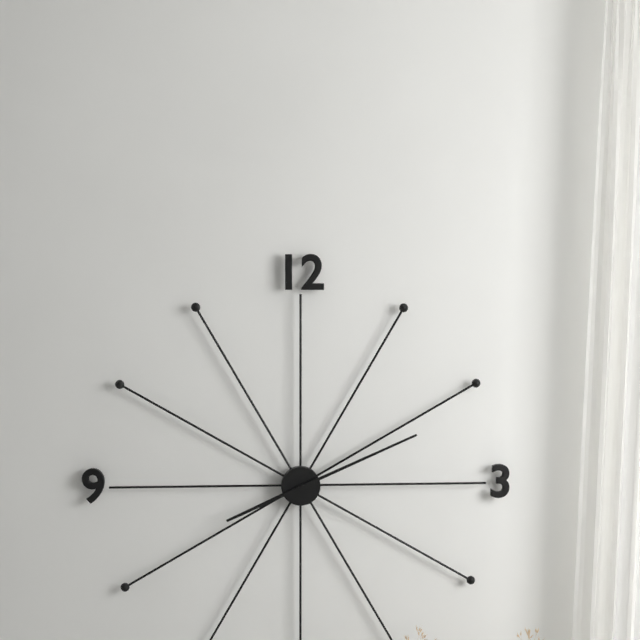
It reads 8h11
